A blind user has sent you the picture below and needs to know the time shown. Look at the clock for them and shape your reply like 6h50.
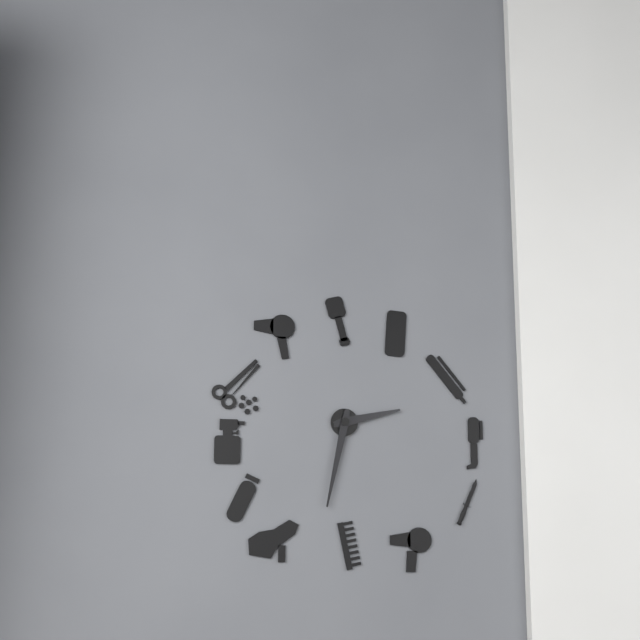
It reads 2h32
